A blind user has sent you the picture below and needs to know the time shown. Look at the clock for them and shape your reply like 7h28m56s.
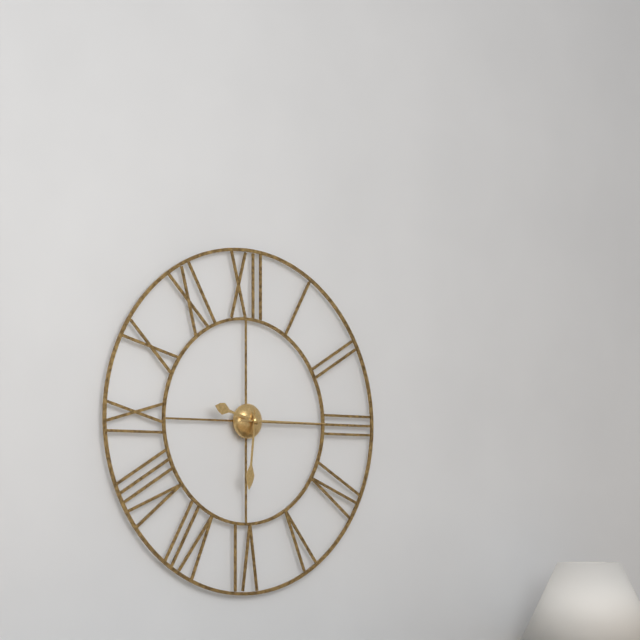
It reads 9h31m15s
